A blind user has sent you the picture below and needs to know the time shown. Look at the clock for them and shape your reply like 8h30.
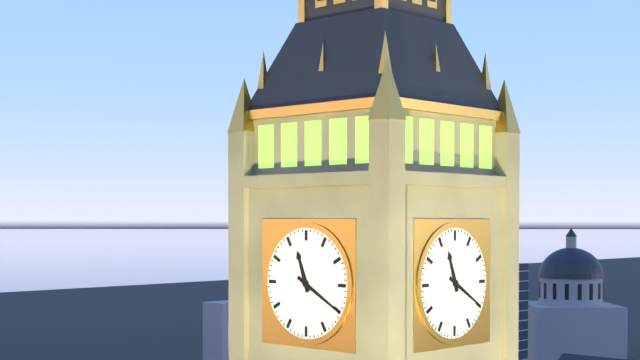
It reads 11h20
